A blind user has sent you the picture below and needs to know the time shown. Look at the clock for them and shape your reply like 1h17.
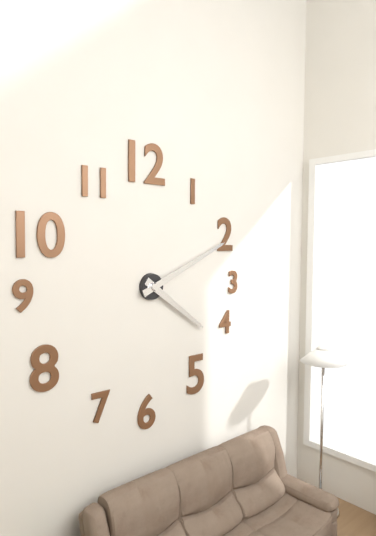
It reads 4h11
